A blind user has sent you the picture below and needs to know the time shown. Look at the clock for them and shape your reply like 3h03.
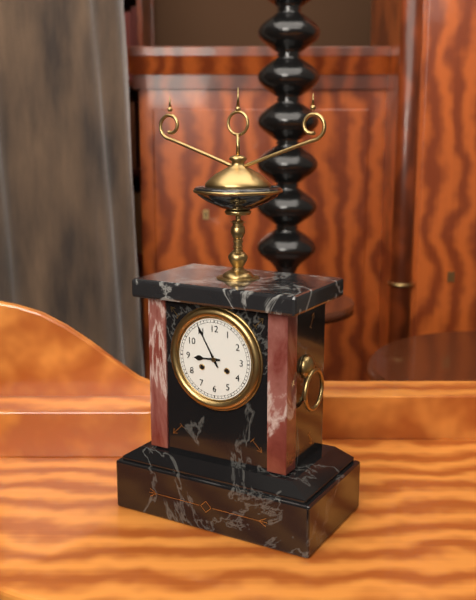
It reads 8h55
